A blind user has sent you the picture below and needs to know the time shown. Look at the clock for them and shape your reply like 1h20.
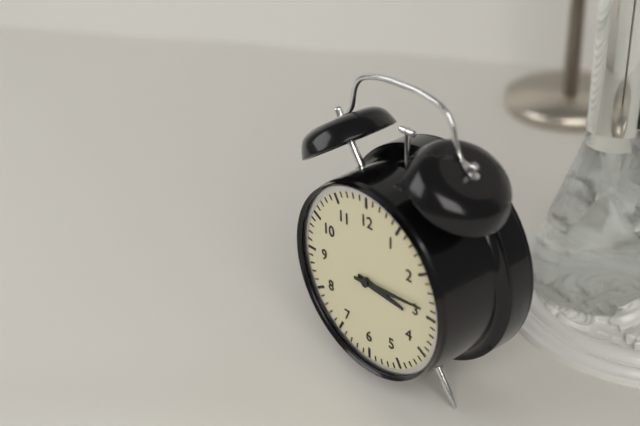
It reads 3h14
